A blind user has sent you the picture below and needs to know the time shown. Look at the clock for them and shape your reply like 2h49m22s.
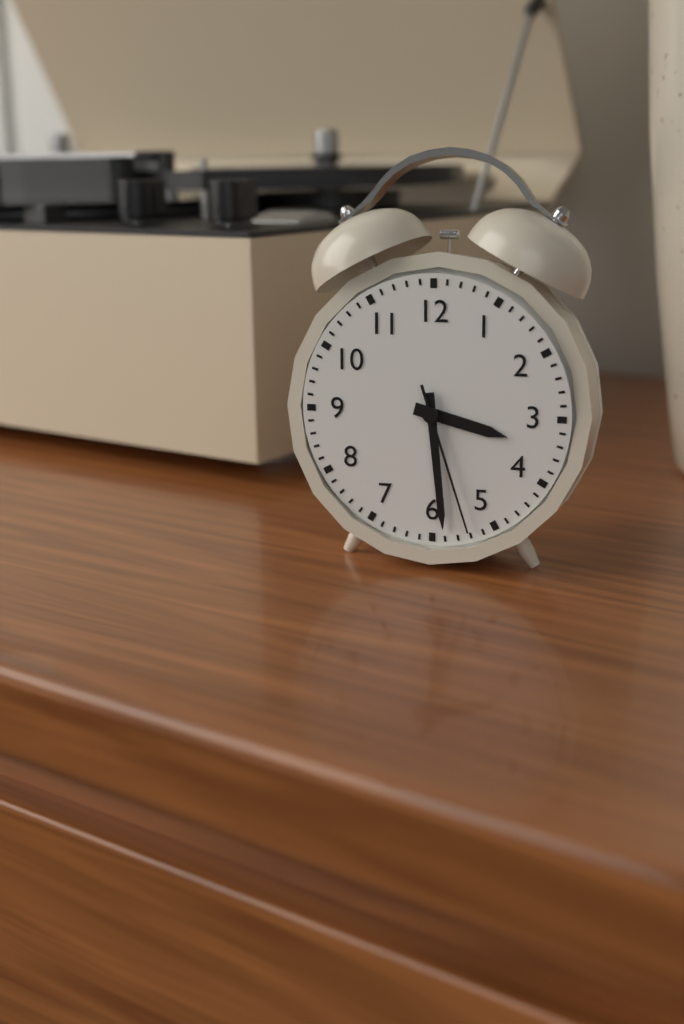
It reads 3h29m27s
